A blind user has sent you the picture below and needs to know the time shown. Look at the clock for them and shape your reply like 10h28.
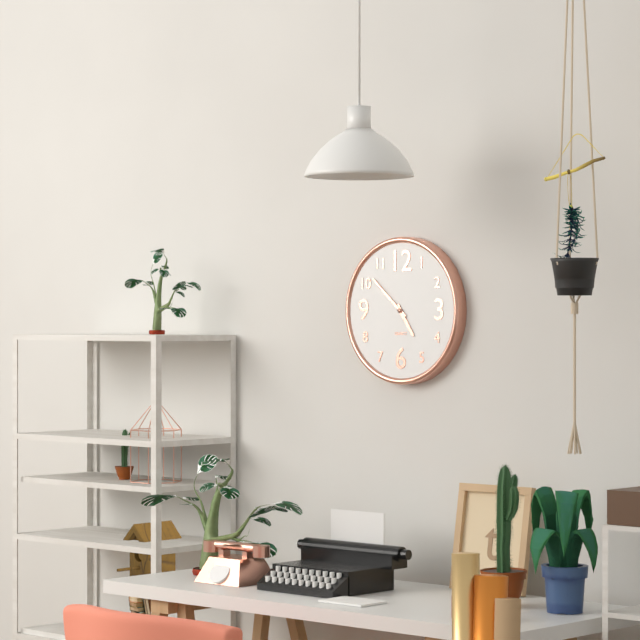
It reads 4h52
